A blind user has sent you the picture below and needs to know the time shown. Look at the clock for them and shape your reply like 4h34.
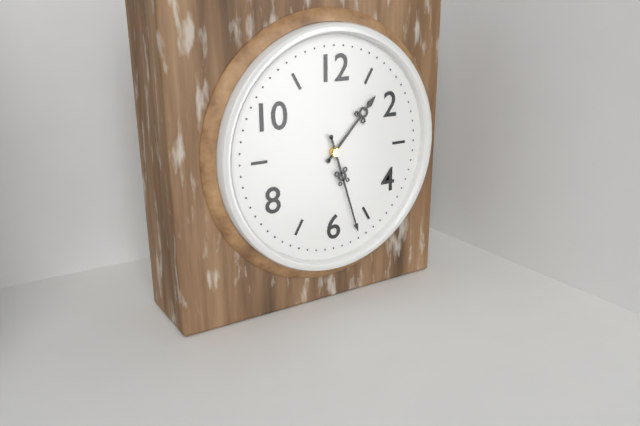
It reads 1h27
